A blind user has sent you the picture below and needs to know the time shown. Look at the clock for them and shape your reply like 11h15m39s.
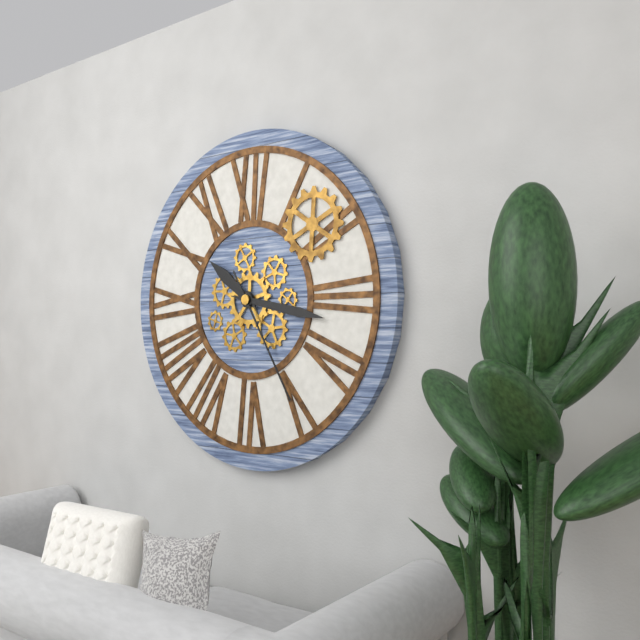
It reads 10h17m25s
